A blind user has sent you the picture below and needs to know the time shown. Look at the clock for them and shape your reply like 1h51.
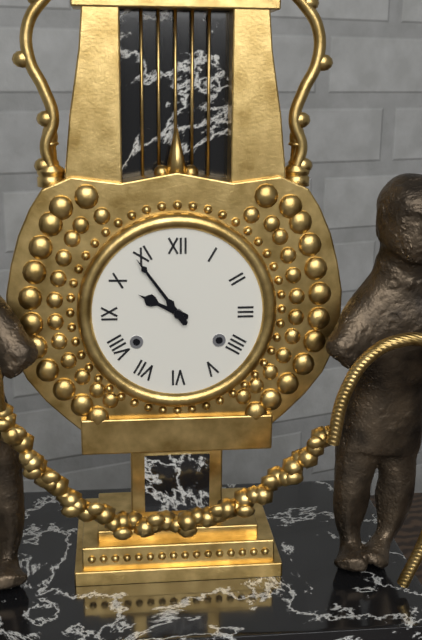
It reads 9h54
